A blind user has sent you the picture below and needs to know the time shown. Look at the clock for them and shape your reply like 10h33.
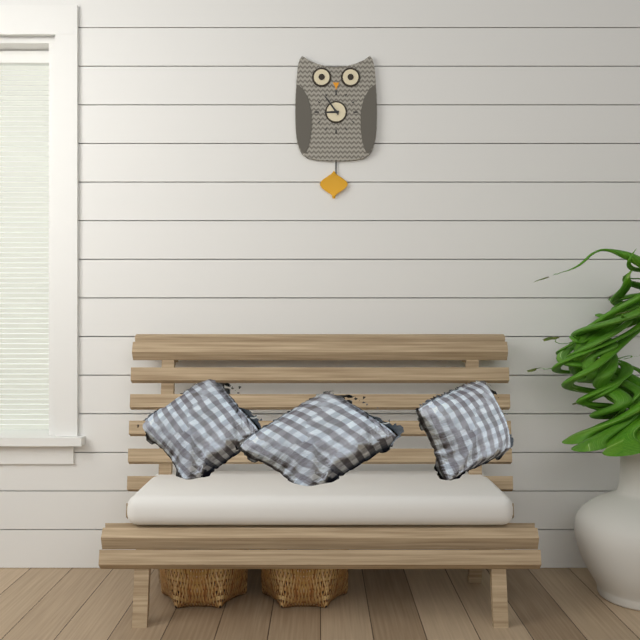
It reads 8h54
